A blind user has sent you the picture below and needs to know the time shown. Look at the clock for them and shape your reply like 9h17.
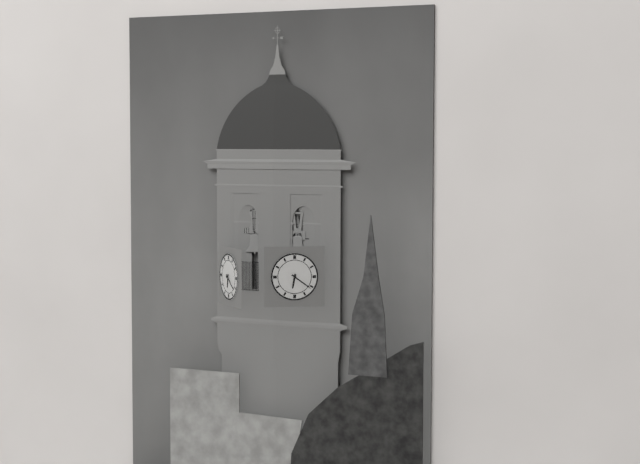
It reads 6h21
